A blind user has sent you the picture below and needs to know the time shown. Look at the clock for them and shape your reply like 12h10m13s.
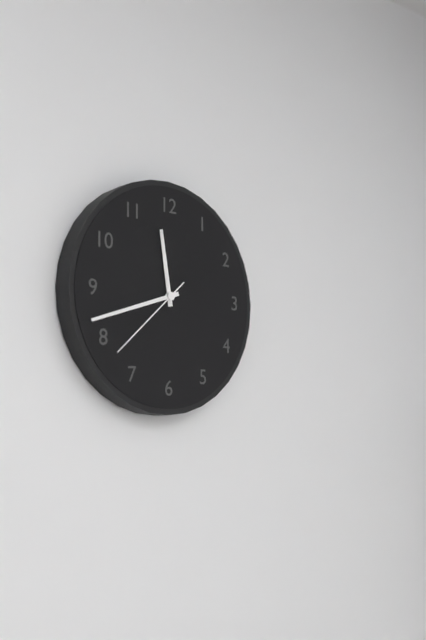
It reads 11h42m38s
